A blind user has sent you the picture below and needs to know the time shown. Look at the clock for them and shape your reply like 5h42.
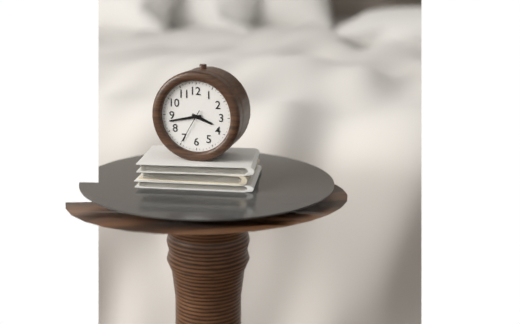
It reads 3h43
